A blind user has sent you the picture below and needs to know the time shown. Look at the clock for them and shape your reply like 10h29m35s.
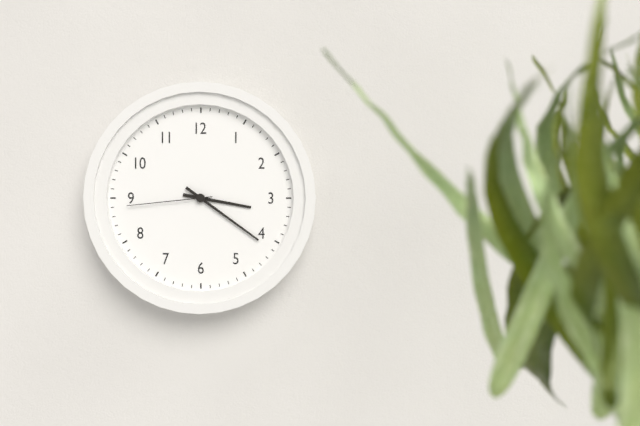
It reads 3h21m44s
